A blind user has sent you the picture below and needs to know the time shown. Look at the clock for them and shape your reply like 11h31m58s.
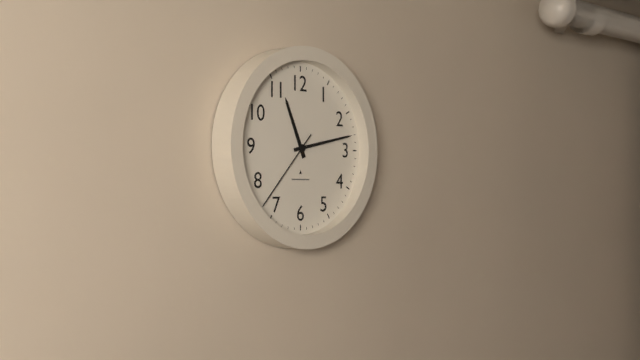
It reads 11h13m37s
